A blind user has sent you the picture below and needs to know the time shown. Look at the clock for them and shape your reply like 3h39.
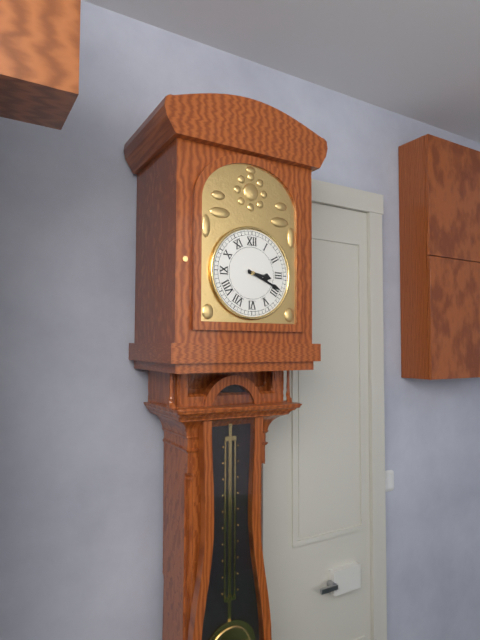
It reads 3h19
